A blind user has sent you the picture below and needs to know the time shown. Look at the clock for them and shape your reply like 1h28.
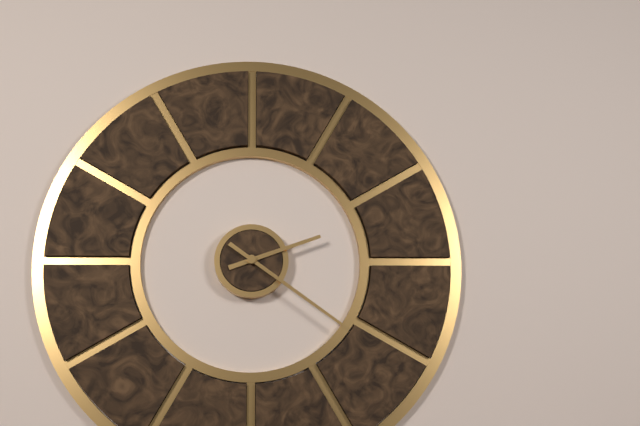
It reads 2h21
